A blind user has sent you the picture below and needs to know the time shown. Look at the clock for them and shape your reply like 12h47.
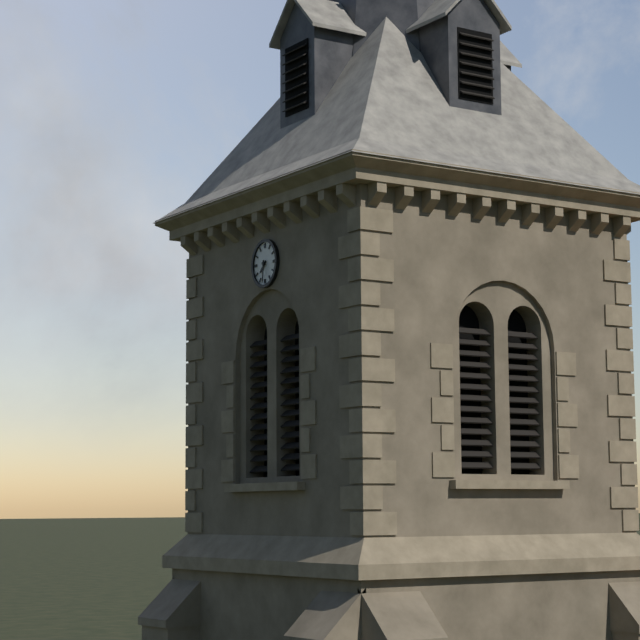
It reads 7h31
